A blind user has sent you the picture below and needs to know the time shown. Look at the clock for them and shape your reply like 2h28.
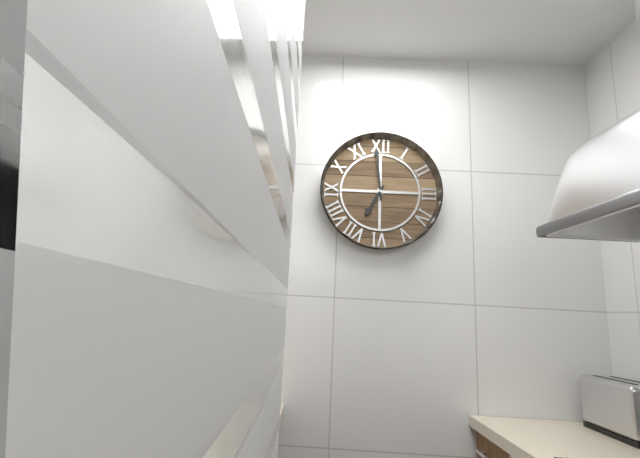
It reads 6h59
